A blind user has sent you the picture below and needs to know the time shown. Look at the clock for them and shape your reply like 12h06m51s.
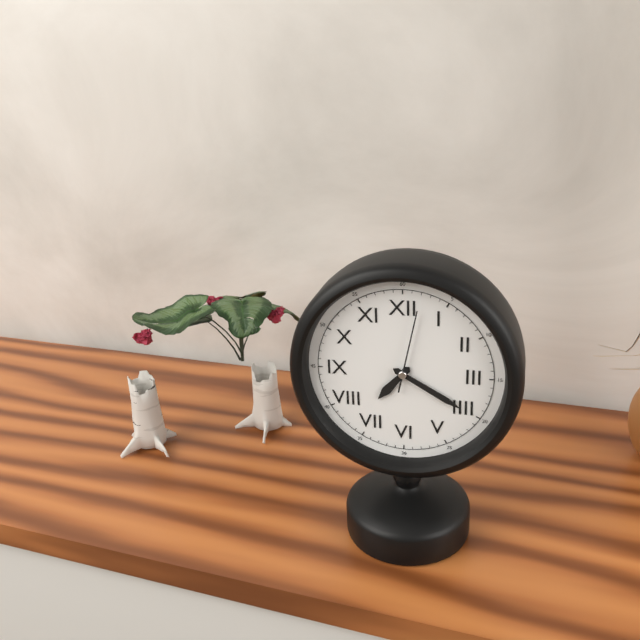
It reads 7h20m02s
